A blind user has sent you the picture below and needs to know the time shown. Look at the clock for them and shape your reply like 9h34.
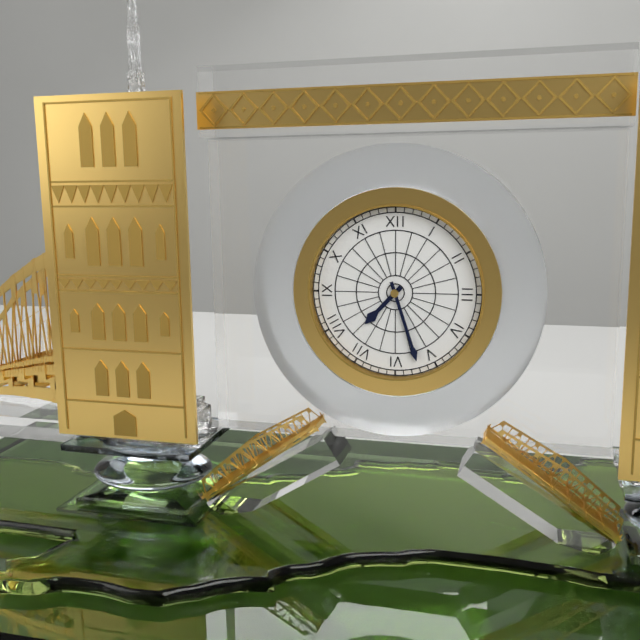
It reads 7h27
